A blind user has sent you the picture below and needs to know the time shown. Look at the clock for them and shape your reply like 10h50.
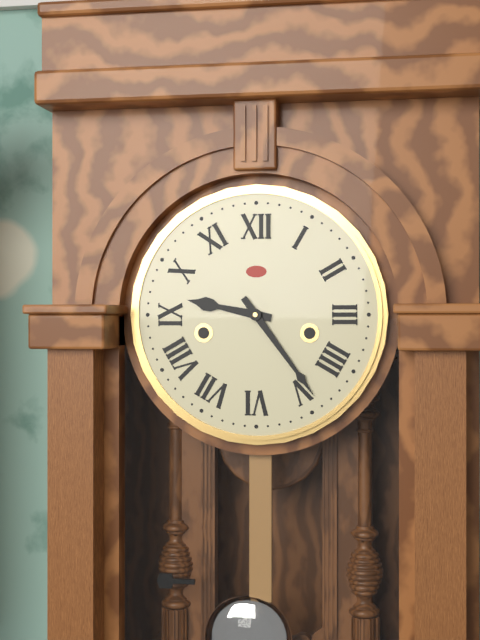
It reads 9h24
